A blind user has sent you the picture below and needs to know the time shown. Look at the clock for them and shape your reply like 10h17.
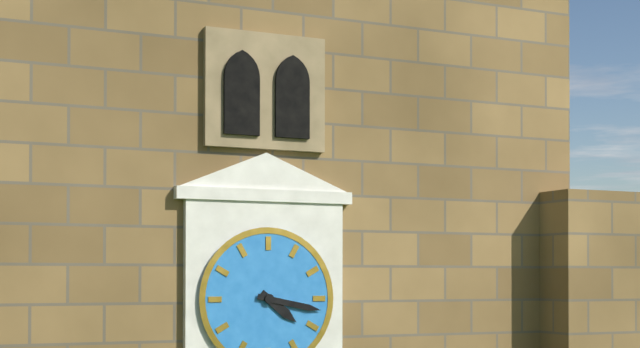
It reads 4h17
